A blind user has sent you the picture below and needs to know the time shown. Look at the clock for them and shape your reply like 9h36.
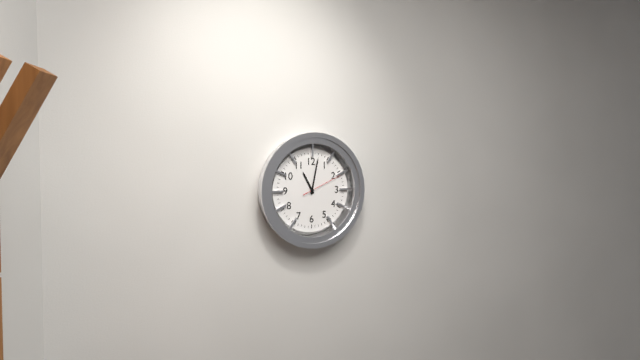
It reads 11h02
